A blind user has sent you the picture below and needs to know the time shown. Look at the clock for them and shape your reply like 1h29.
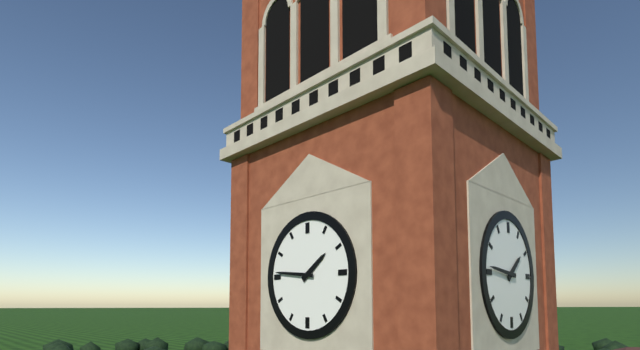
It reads 1h46
